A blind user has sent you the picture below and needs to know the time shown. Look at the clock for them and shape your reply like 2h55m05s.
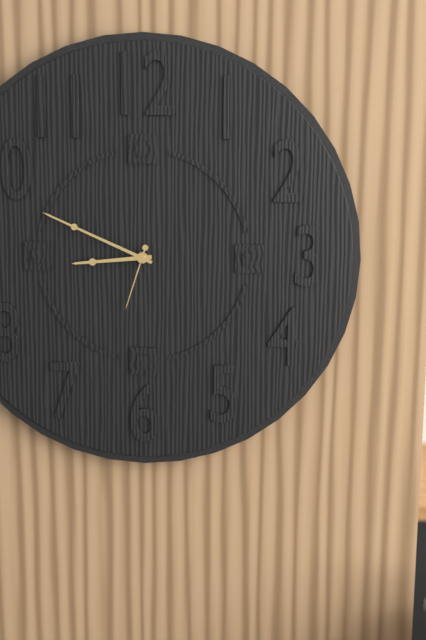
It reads 8h49m33s
